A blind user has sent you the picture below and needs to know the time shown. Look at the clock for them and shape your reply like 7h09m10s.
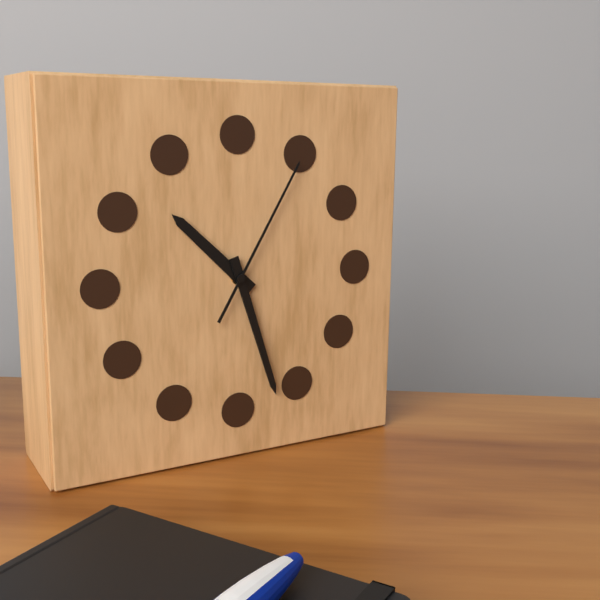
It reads 10h27m05s
